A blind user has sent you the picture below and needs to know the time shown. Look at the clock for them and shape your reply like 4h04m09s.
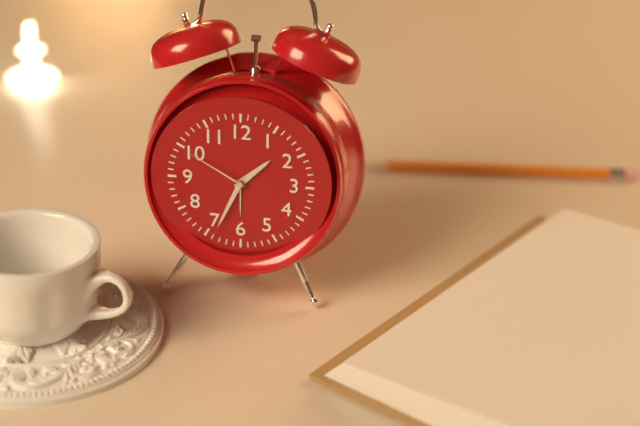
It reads 1h34m50s
